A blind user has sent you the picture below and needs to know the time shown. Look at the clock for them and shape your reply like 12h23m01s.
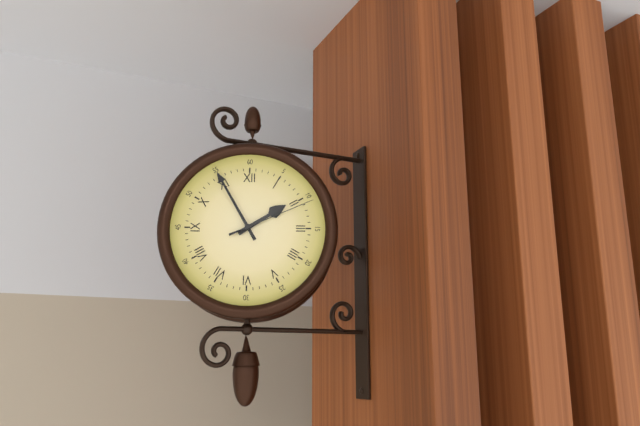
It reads 1h55m11s
